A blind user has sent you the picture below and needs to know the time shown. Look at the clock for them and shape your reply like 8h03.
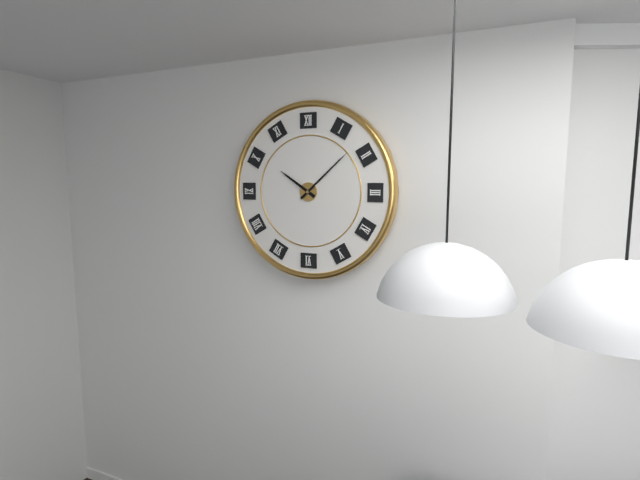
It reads 10h08
